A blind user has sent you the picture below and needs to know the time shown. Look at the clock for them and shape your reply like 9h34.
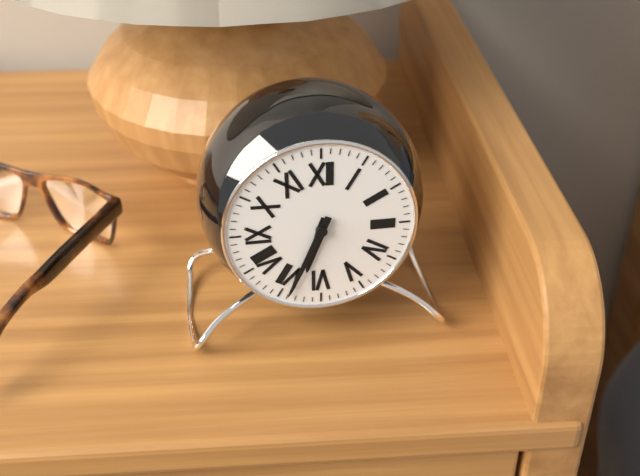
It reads 6h34
